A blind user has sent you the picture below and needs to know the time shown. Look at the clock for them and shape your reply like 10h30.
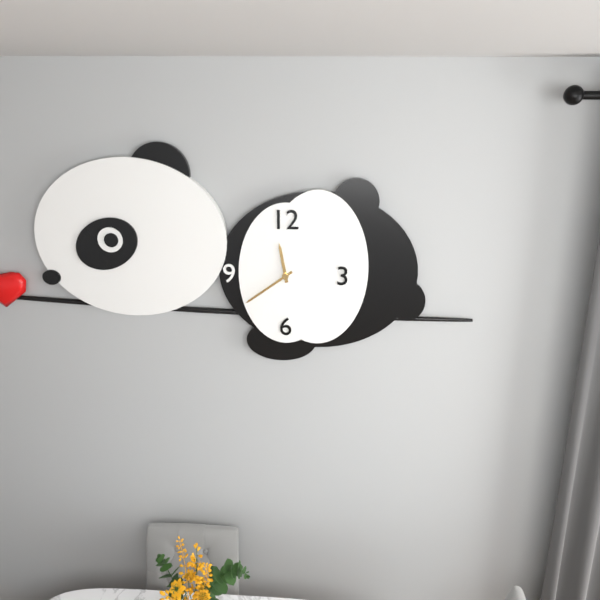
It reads 11h39
